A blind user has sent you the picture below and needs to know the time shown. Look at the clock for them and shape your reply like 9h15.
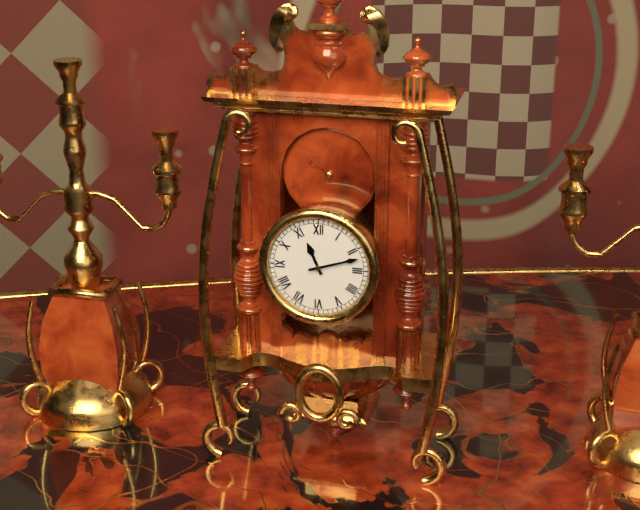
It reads 11h12
